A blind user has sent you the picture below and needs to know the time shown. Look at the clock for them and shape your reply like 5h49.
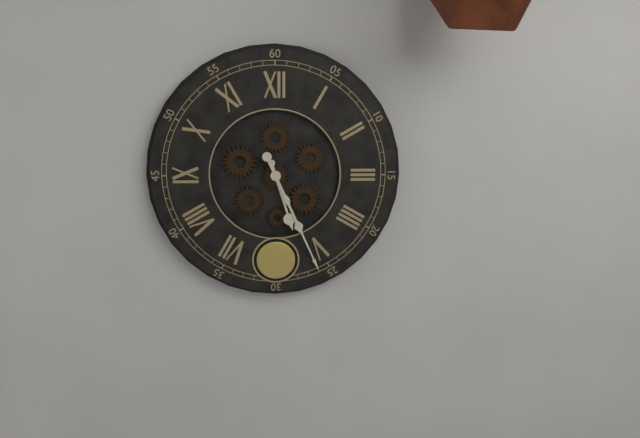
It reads 5h26
